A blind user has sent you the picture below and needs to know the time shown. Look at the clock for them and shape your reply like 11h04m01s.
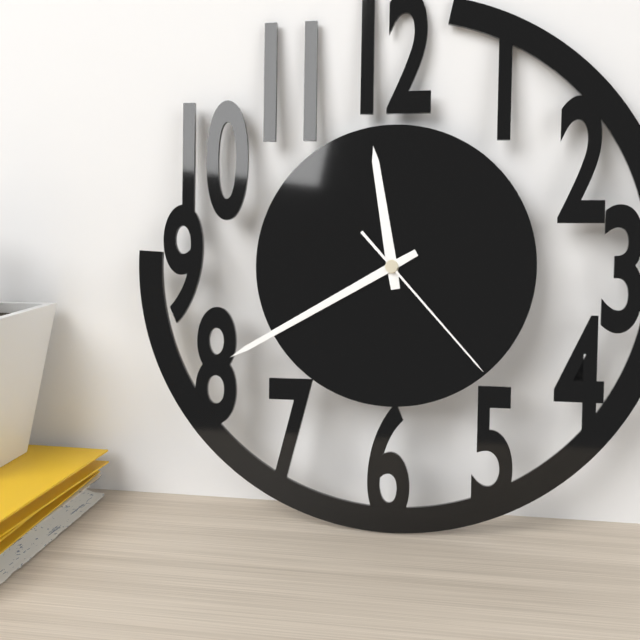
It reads 11h40m23s
